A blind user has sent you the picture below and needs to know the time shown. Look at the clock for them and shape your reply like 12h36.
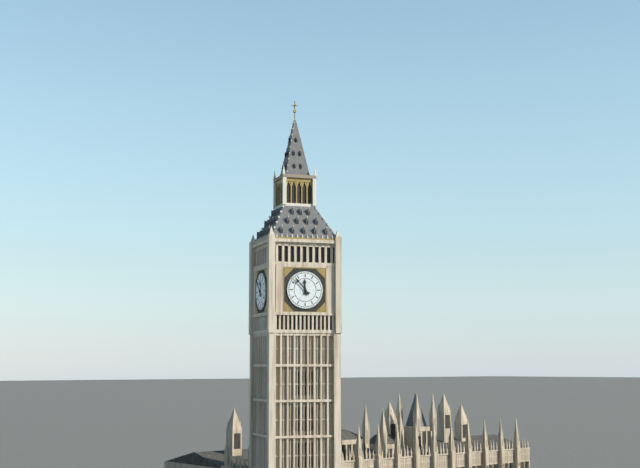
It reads 11h53
